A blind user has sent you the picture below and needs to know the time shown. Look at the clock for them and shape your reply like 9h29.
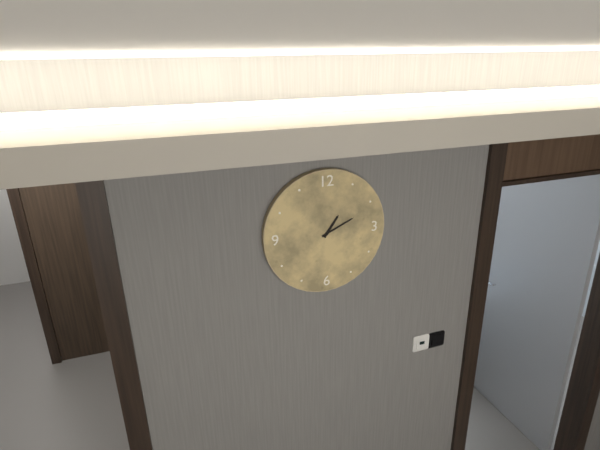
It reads 1h11
